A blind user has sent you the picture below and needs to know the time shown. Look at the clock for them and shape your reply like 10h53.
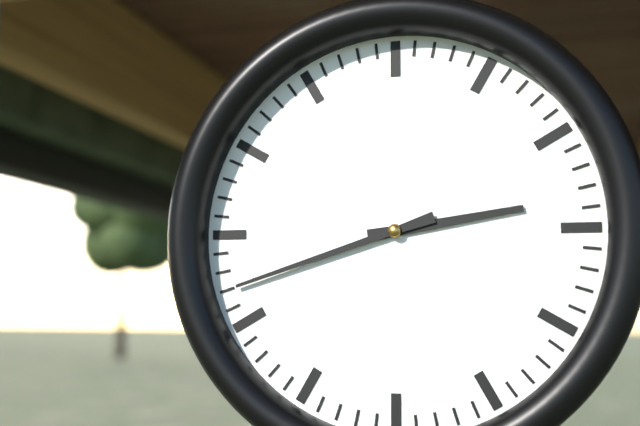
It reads 2h42
